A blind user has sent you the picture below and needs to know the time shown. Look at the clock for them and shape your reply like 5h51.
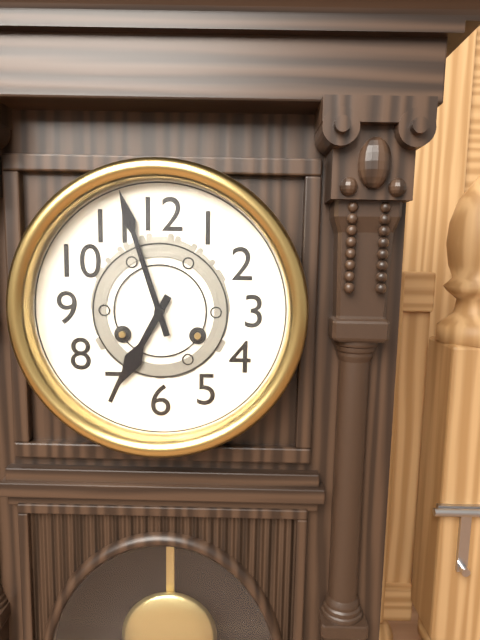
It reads 6h57
